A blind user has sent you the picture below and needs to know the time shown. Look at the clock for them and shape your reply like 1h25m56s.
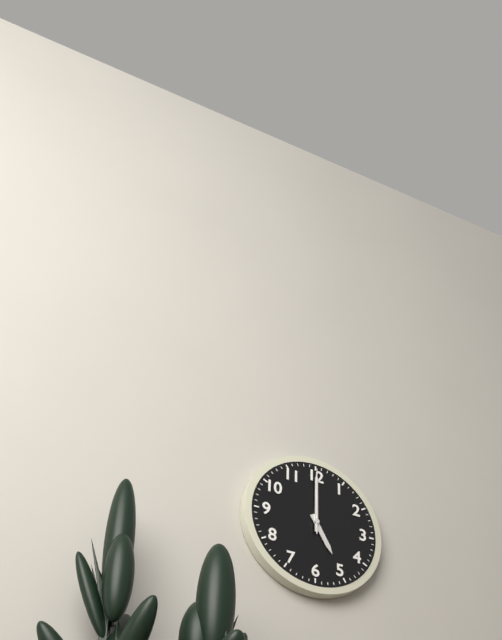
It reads 5h00m00s
